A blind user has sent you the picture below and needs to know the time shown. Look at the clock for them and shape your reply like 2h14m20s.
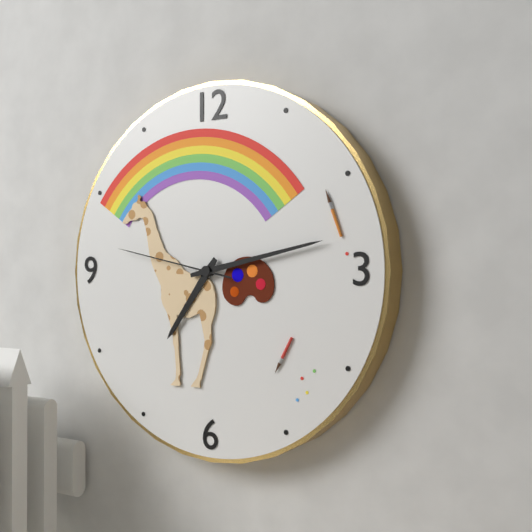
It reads 7h13m47s
